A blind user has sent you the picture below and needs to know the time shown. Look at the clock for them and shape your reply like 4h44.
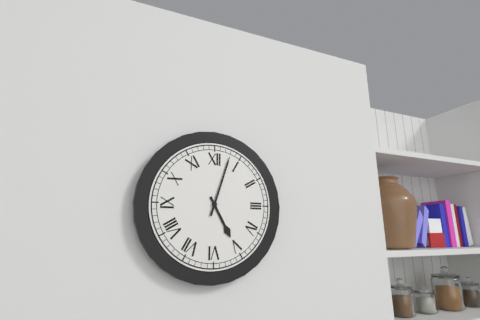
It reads 5h03
